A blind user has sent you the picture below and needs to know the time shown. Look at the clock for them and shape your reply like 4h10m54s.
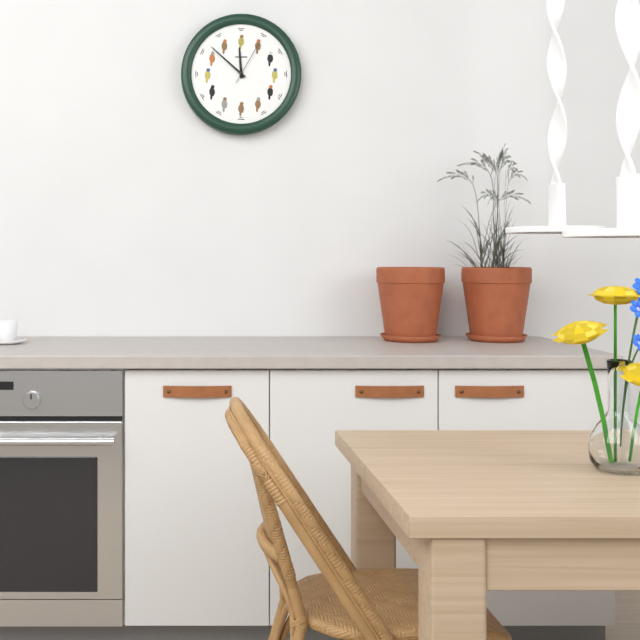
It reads 11h52m05s
